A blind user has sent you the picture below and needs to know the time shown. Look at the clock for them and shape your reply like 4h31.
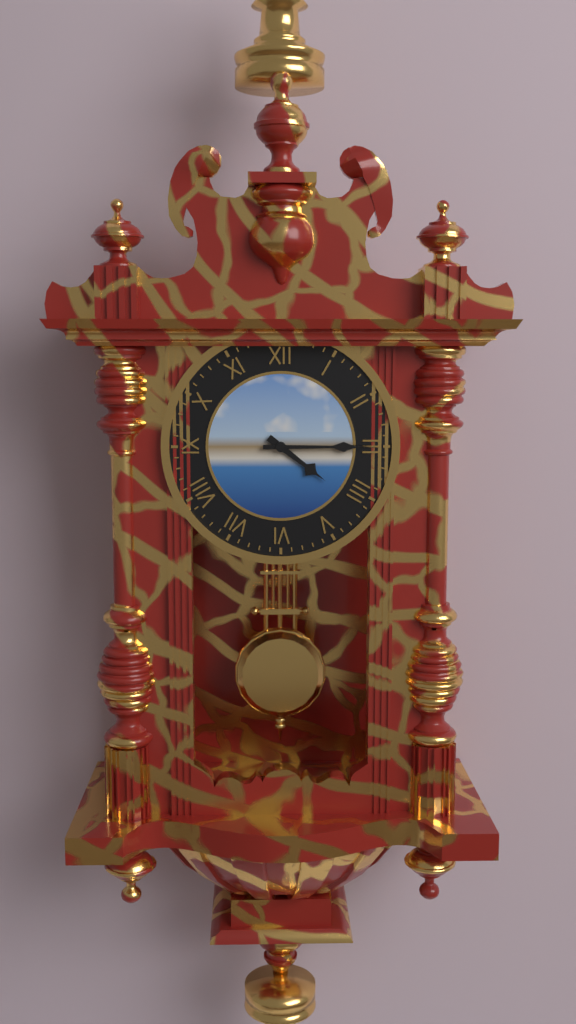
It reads 4h15
